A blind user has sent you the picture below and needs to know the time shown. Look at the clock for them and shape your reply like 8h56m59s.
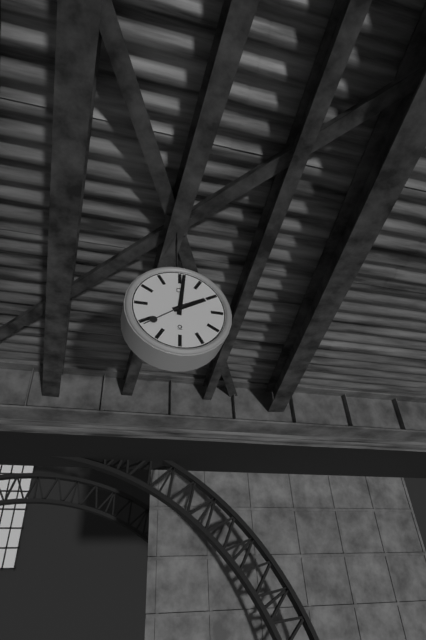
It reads 2h01m39s
